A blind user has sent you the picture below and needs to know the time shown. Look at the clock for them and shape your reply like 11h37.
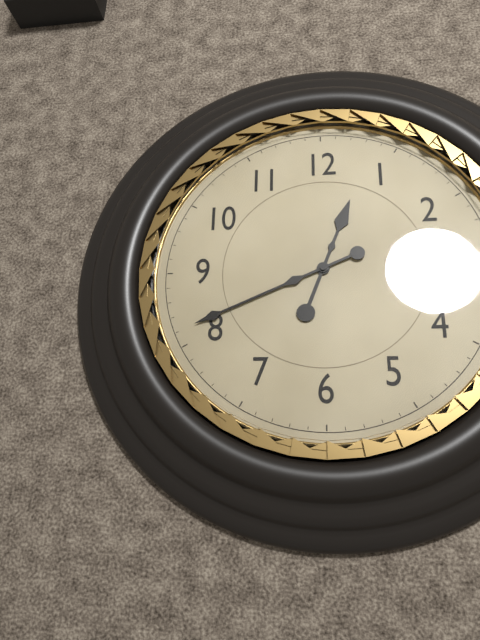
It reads 12h41
